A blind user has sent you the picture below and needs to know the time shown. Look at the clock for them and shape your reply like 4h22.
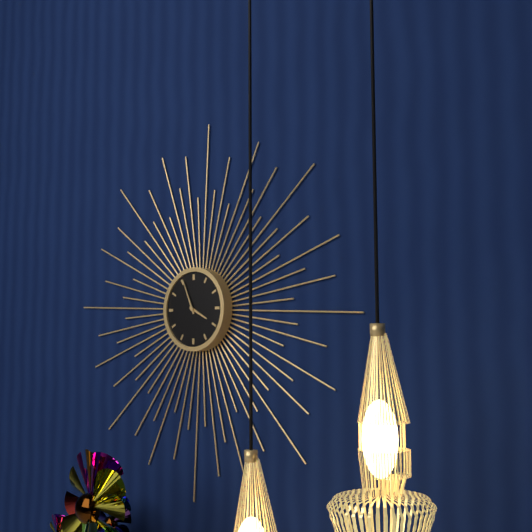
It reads 3h56
